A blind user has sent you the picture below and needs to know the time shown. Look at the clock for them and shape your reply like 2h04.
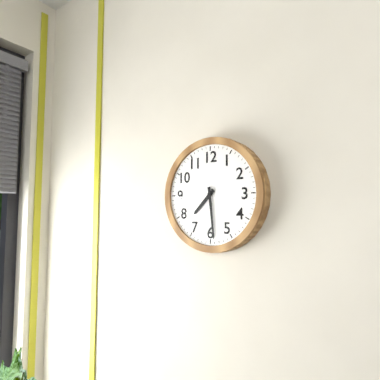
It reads 7h29
